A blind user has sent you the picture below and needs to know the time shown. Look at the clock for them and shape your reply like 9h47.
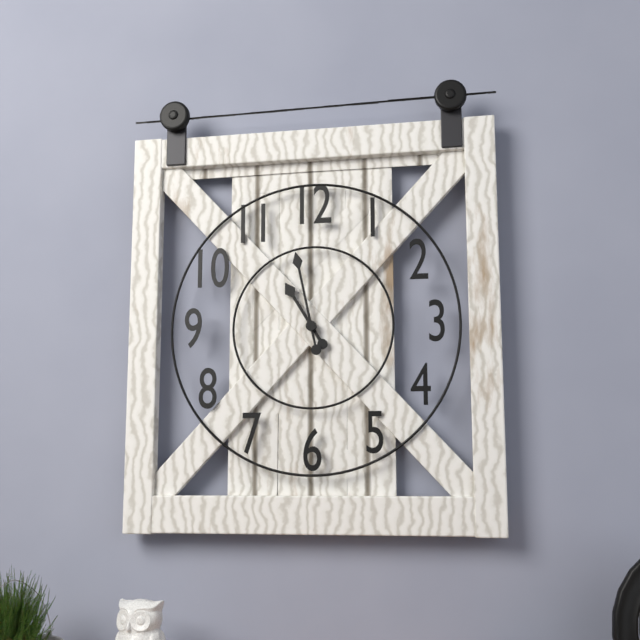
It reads 10h58
